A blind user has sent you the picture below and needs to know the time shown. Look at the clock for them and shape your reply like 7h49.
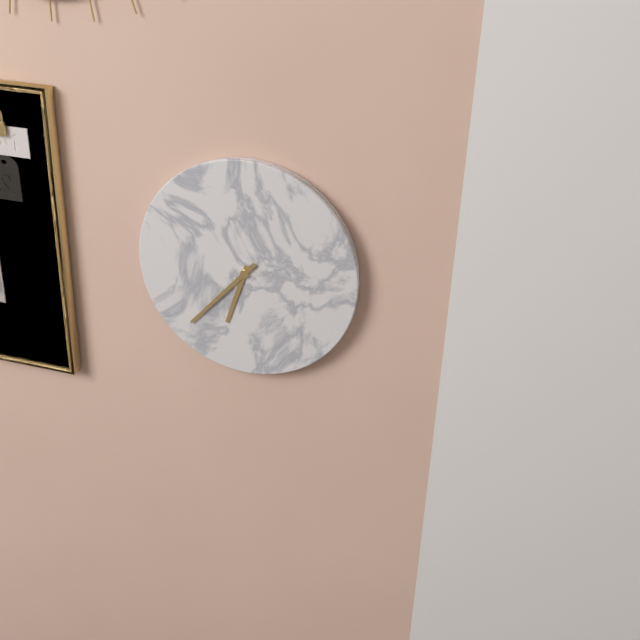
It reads 6h37
